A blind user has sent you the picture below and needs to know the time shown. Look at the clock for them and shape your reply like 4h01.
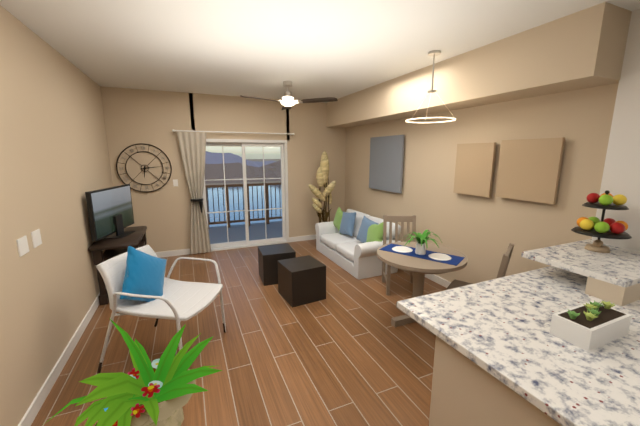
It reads 6h14
